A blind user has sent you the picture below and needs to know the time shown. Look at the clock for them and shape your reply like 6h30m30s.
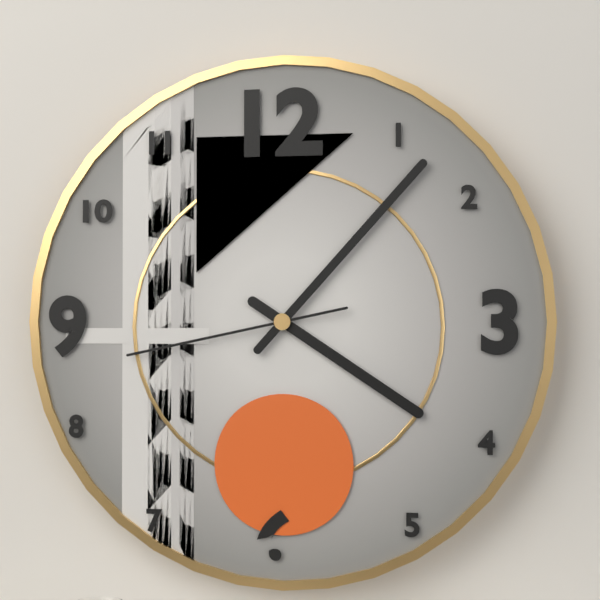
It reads 4h07m43s
